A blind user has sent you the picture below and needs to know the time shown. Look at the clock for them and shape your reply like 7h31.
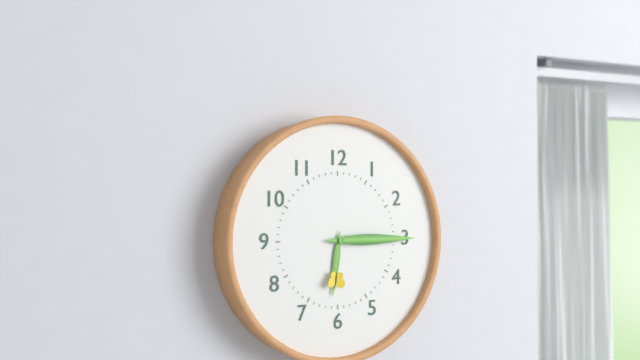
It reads 6h15
